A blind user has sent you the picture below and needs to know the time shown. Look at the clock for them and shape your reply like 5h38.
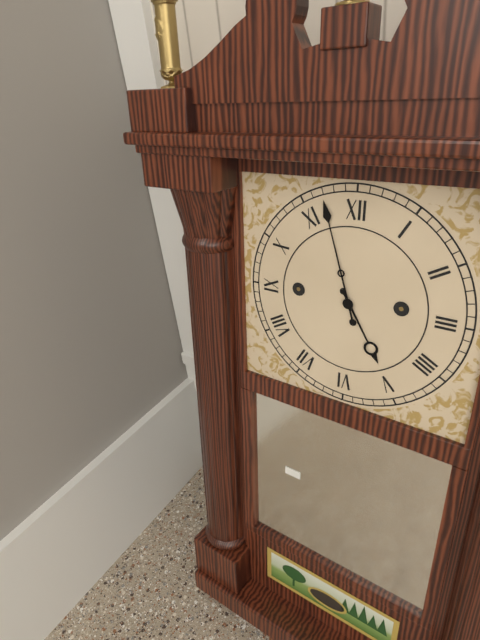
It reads 4h57
